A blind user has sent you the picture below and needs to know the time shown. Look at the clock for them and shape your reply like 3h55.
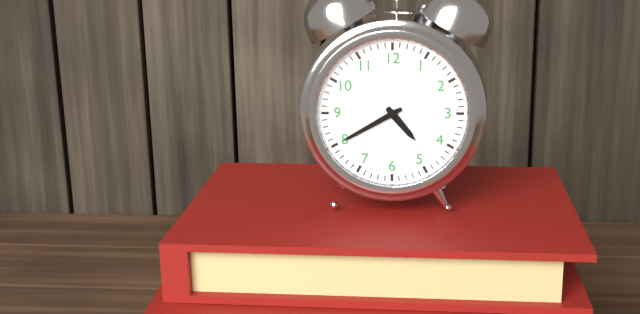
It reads 4h40
